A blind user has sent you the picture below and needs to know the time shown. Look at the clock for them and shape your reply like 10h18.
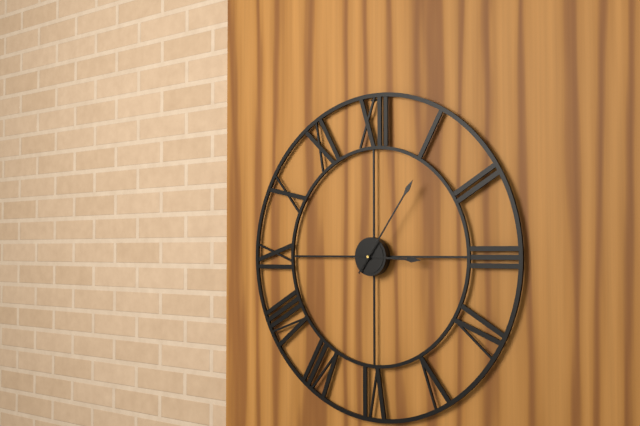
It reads 3h06
